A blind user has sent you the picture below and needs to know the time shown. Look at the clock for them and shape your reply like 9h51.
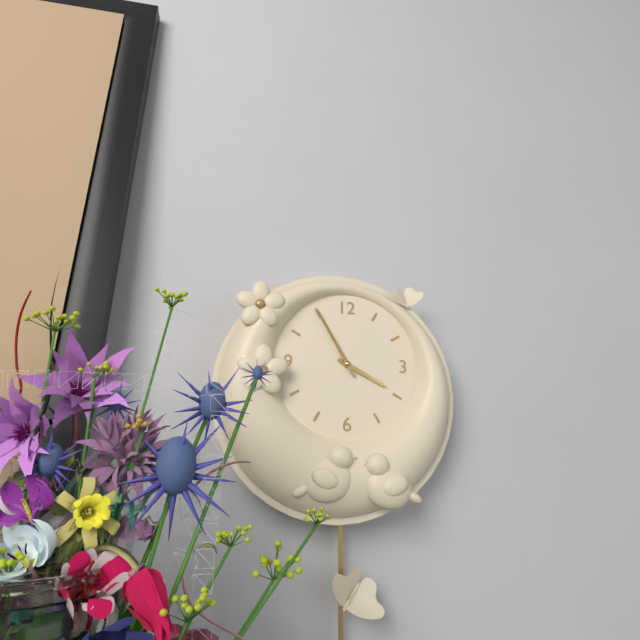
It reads 3h55
